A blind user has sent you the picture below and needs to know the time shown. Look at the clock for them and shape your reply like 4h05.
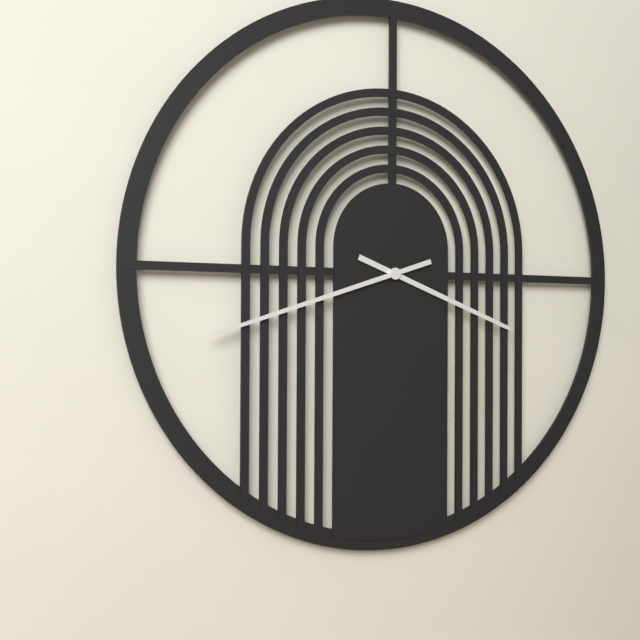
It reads 3h42
